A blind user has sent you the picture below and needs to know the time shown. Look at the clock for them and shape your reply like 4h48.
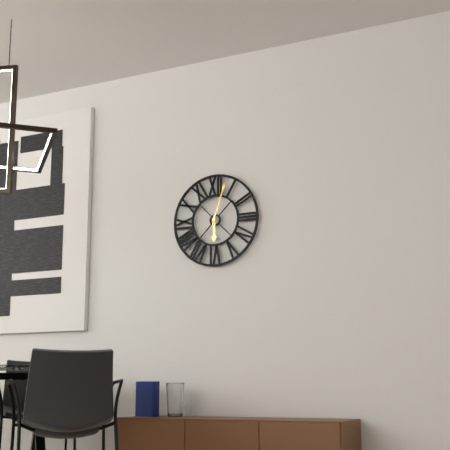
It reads 6h03
